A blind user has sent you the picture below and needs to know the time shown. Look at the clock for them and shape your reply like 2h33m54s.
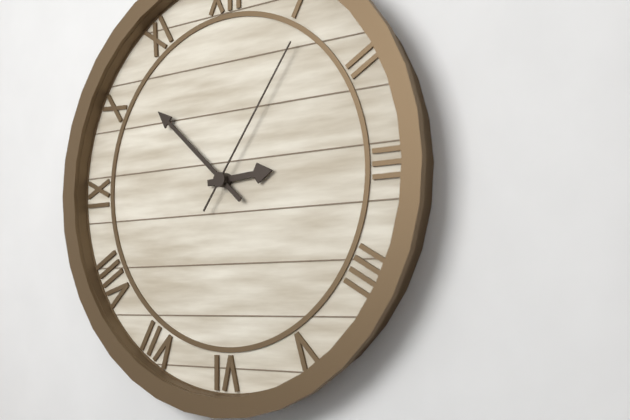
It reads 2h52m06s
